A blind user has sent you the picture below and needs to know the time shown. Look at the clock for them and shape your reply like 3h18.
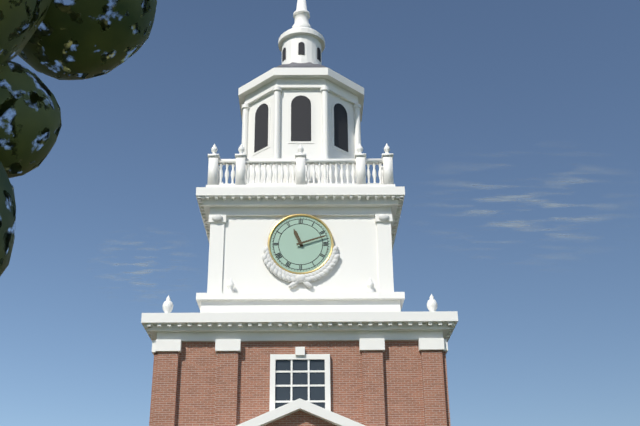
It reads 11h12
